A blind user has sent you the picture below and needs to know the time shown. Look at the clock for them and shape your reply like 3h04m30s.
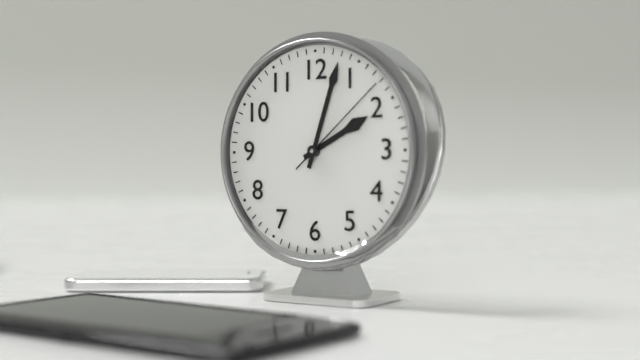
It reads 2h03m08s
